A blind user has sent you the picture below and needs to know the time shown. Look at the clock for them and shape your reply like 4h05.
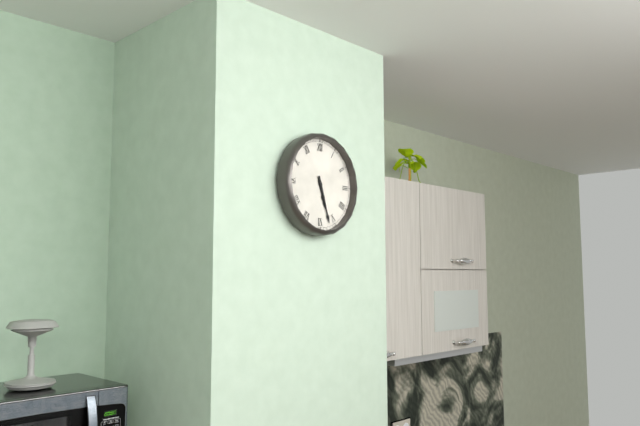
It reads 5h27
